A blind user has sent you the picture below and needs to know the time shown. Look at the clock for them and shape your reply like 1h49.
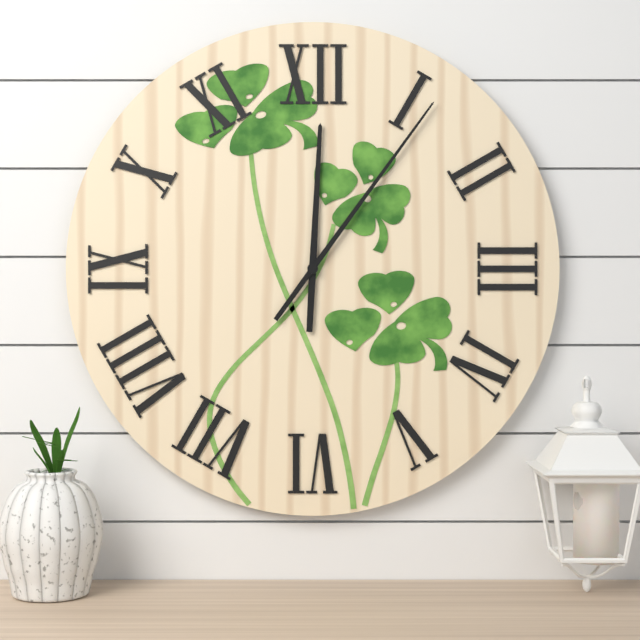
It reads 12h06
